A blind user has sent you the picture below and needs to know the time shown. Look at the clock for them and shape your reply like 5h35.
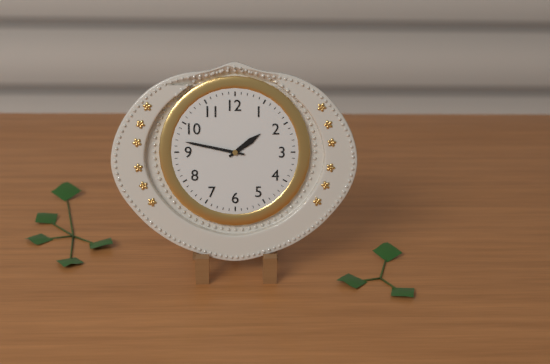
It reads 1h47
